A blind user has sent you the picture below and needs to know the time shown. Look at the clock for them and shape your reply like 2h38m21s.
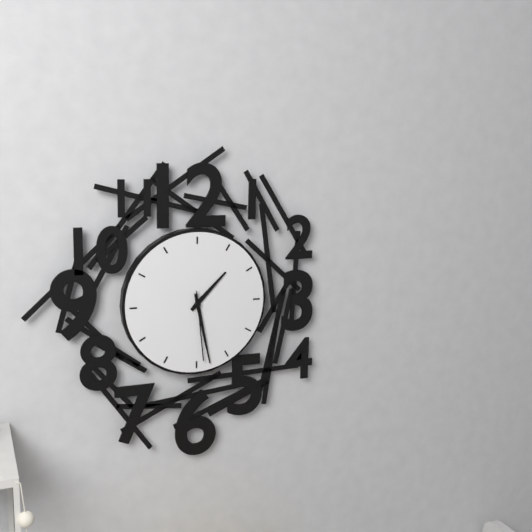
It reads 1h28m29s
